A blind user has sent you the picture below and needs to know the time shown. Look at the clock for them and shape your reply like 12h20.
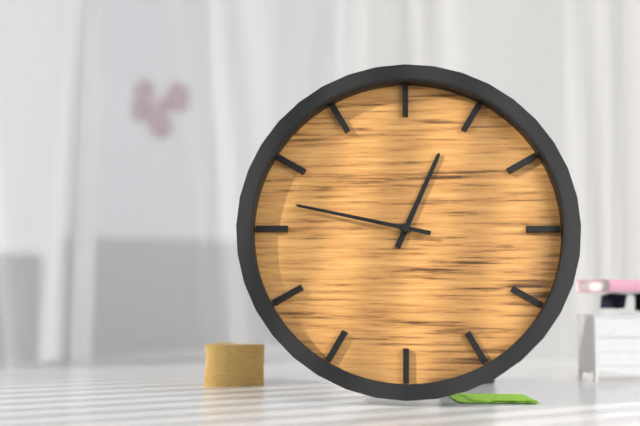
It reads 12h47
